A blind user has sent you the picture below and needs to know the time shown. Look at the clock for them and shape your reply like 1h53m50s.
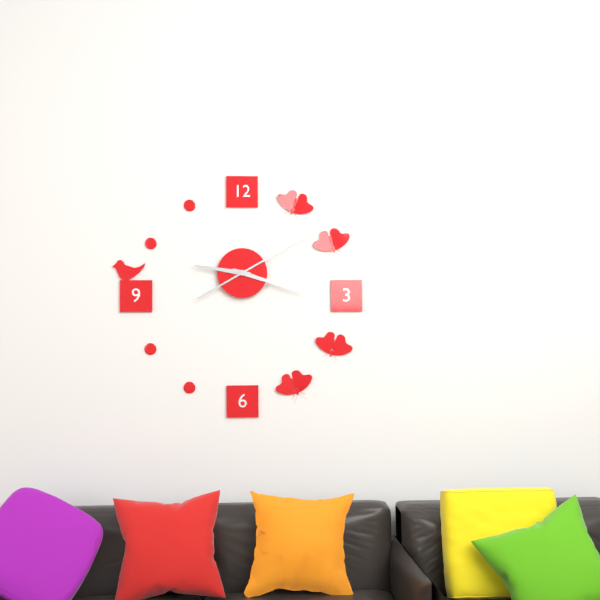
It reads 9h18m10s
